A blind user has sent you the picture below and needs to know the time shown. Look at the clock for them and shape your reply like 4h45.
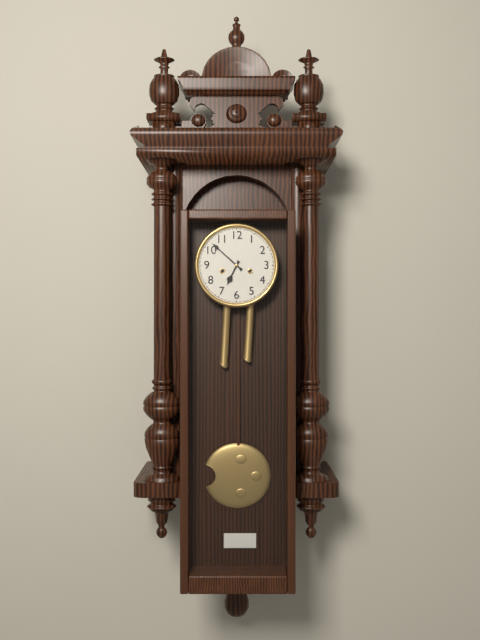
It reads 6h52
